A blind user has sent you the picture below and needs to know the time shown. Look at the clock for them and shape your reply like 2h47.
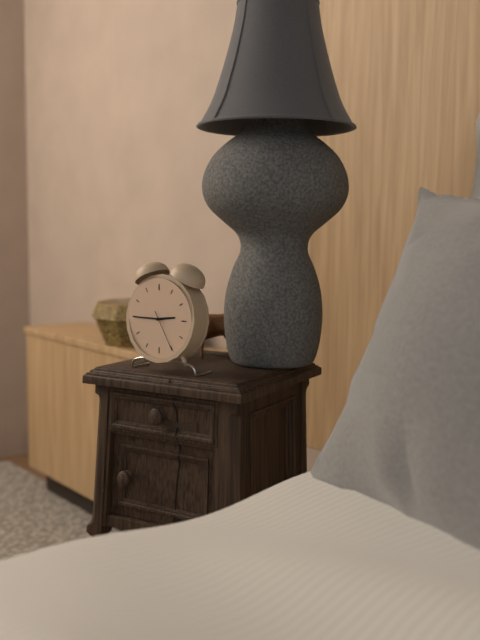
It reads 2h45
